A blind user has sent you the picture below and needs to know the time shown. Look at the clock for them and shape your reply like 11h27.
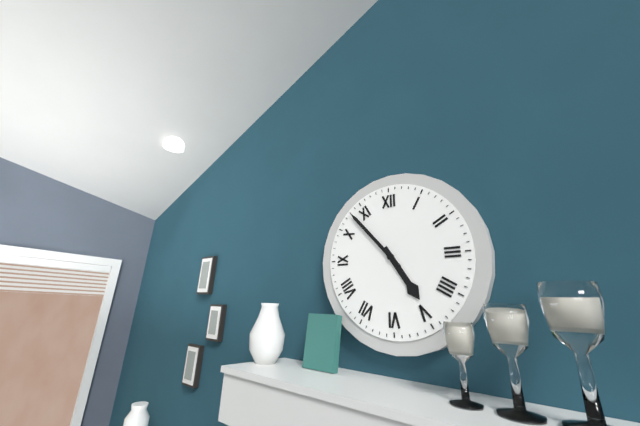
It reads 4h53
